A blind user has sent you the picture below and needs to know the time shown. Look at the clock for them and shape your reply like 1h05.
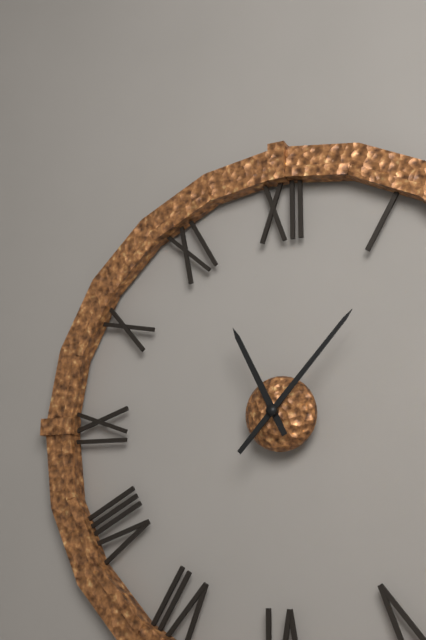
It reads 11h07
